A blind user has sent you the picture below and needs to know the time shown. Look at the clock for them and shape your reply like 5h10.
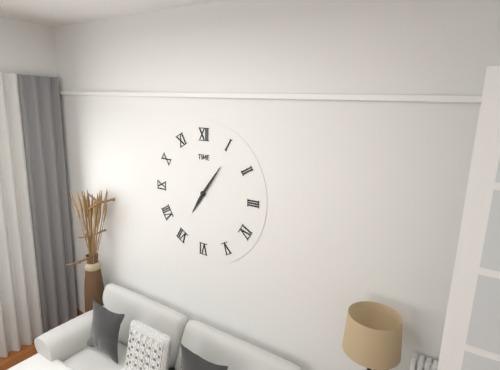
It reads 7h06
